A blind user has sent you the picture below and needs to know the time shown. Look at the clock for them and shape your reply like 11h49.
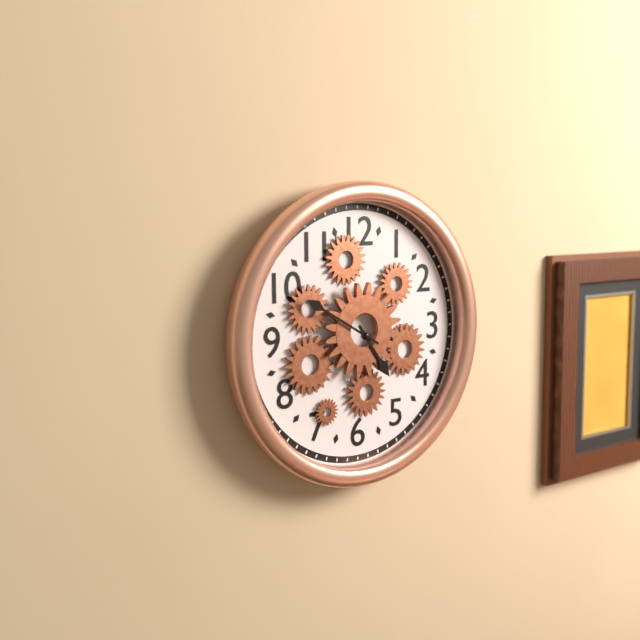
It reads 4h50
